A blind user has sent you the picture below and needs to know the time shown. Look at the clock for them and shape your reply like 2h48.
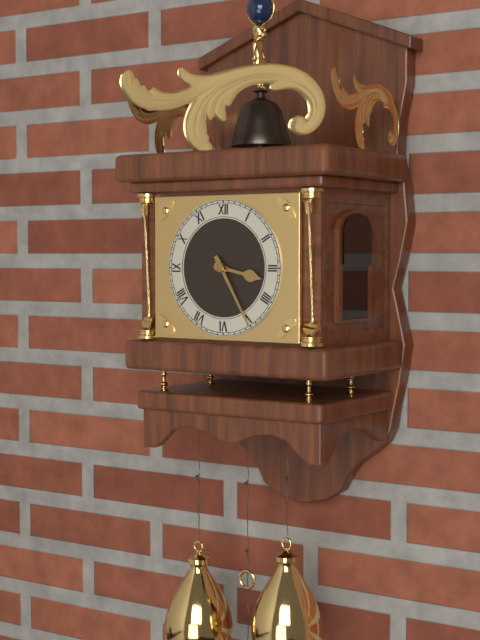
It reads 3h25
